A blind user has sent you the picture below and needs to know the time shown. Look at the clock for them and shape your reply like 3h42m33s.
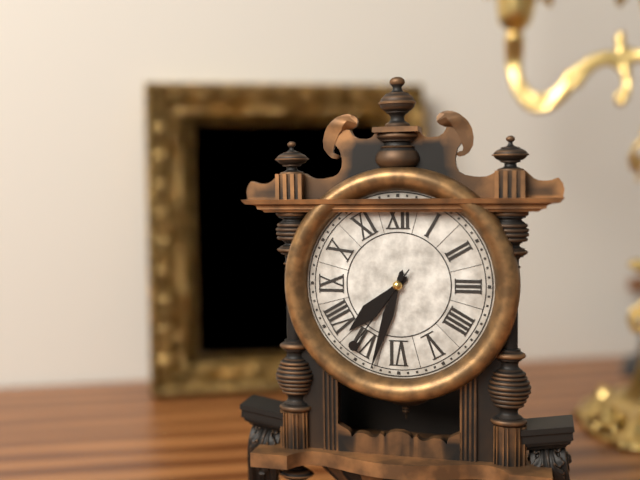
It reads 7h33m36s
